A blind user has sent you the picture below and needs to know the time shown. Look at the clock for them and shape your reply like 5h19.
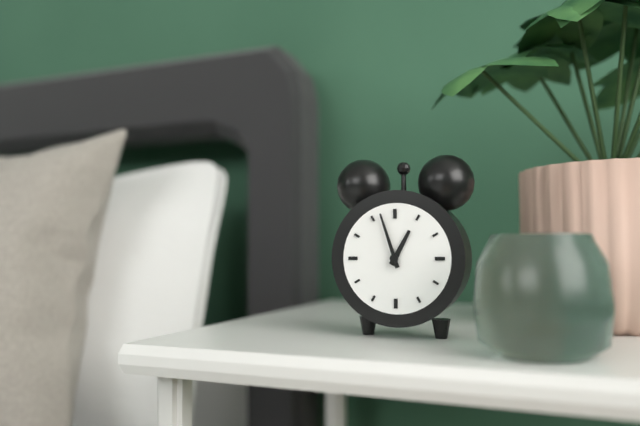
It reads 12h57
